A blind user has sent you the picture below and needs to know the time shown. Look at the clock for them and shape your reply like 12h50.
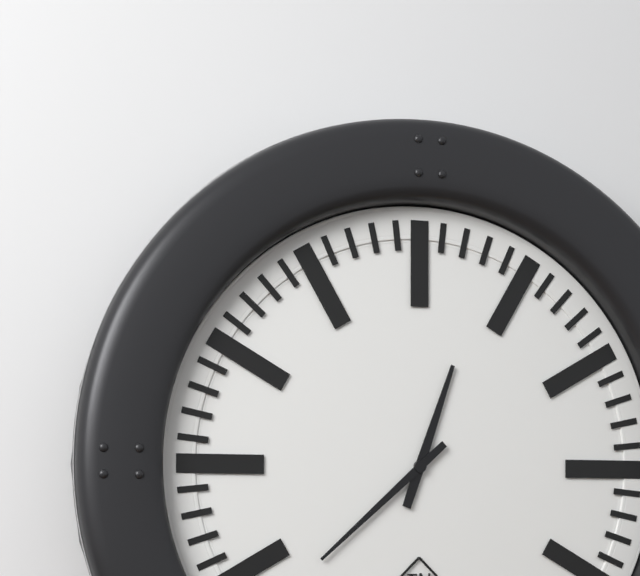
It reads 12h38
